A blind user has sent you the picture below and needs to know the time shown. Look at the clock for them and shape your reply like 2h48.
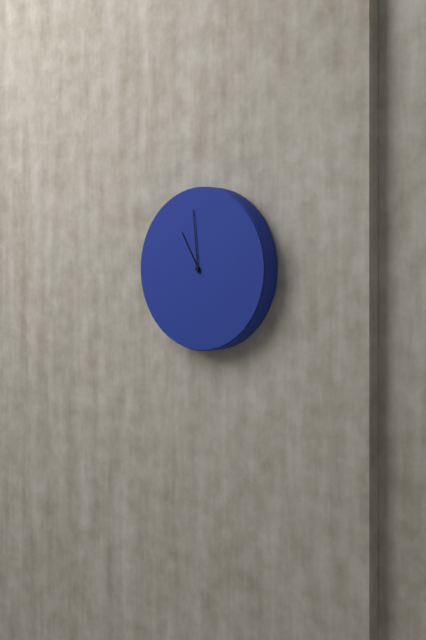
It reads 10h59
